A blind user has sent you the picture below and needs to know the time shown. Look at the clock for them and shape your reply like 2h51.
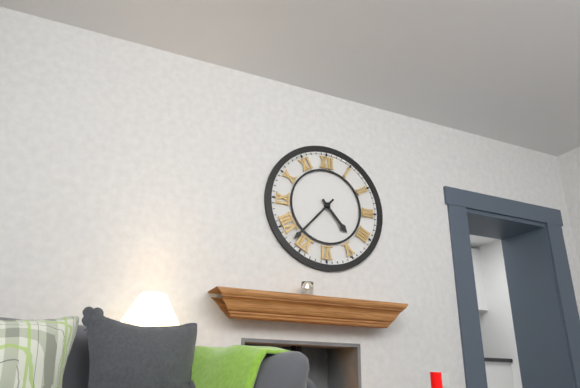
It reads 4h37
